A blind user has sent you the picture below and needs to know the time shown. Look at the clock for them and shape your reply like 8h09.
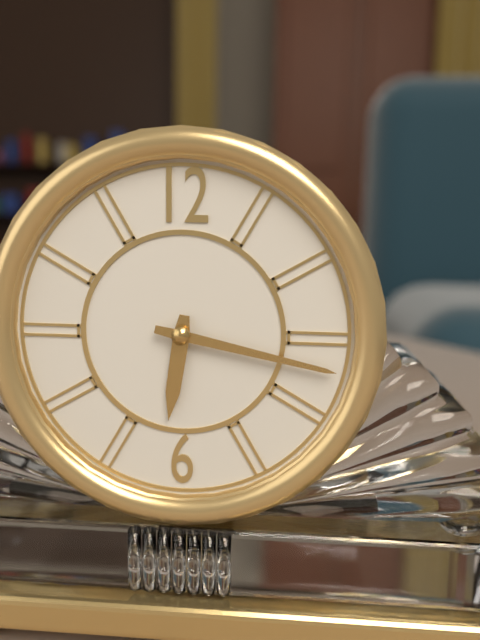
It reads 6h17
